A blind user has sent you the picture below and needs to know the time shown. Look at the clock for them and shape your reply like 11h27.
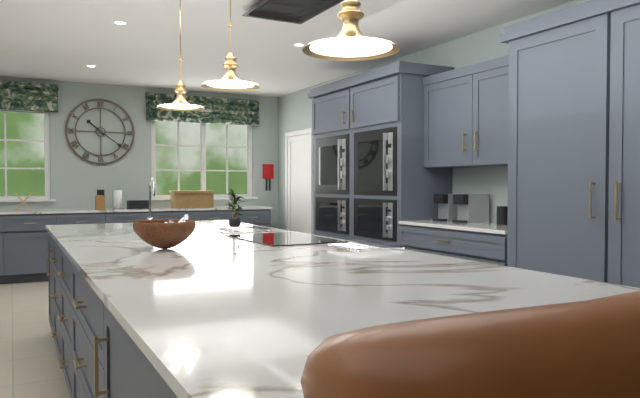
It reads 10h21
